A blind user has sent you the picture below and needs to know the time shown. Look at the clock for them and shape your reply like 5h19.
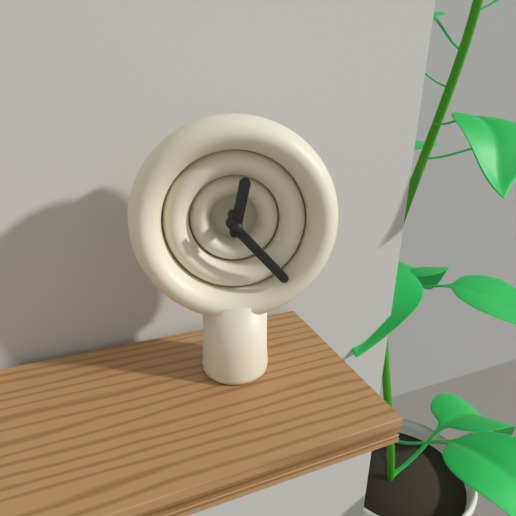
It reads 12h23
